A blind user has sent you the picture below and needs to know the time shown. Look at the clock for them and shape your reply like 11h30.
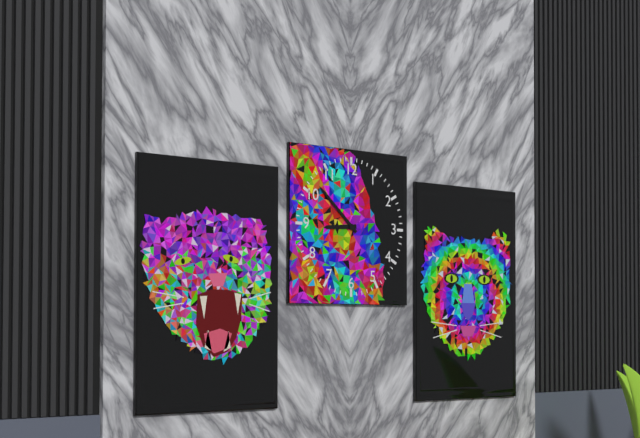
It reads 8h52
